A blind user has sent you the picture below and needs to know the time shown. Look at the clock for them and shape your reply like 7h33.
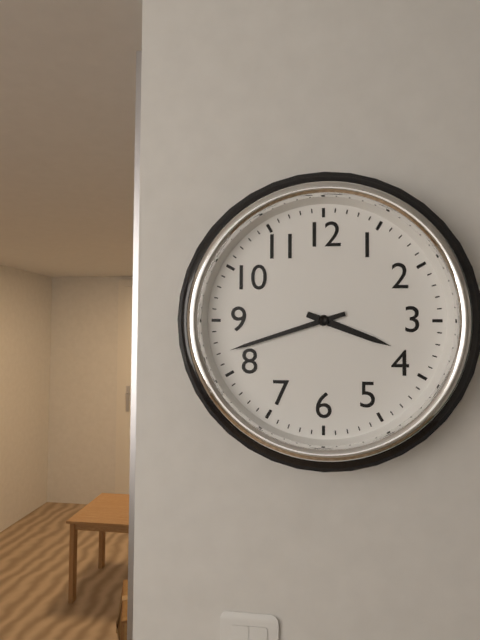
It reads 3h42
